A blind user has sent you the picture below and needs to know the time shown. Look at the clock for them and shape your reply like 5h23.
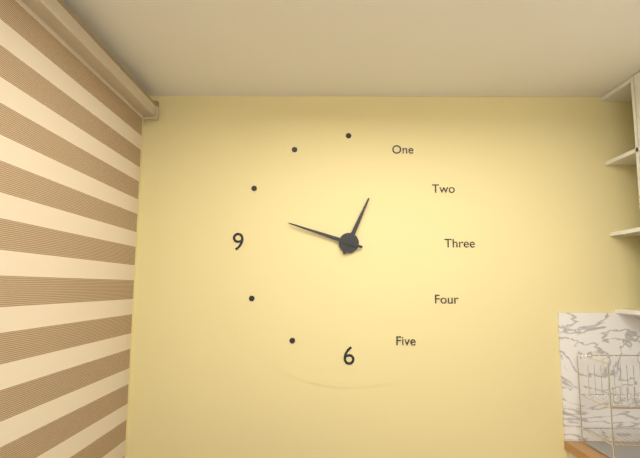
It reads 12h48
